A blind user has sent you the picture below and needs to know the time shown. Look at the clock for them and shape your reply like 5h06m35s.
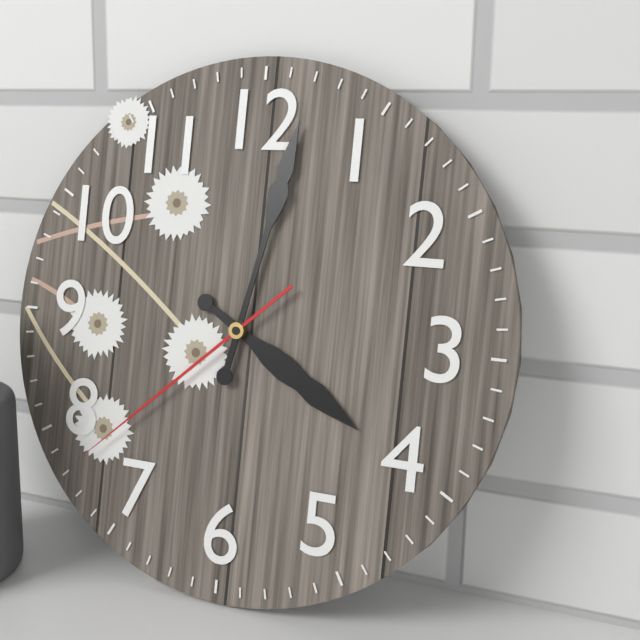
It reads 4h02m38s
